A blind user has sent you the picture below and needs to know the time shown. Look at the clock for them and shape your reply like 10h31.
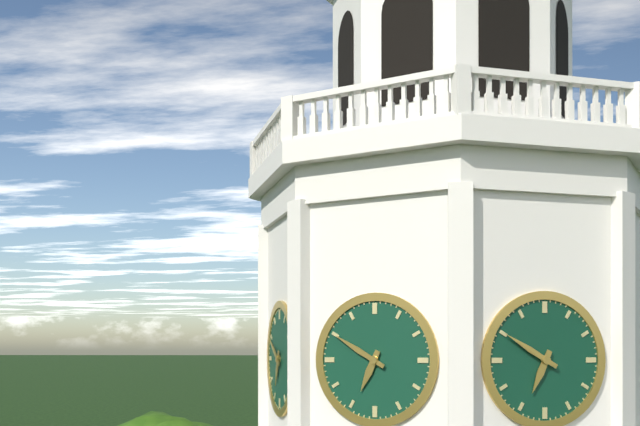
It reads 6h50
